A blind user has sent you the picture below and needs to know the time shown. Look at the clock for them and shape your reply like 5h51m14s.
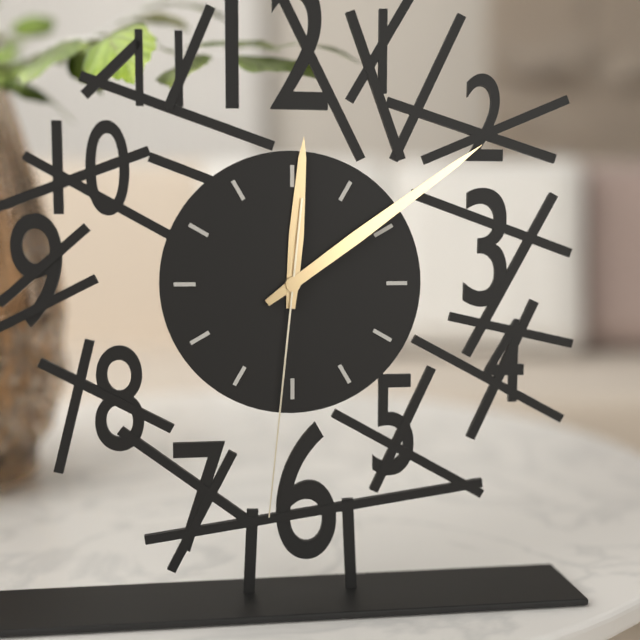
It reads 12h09m31s
